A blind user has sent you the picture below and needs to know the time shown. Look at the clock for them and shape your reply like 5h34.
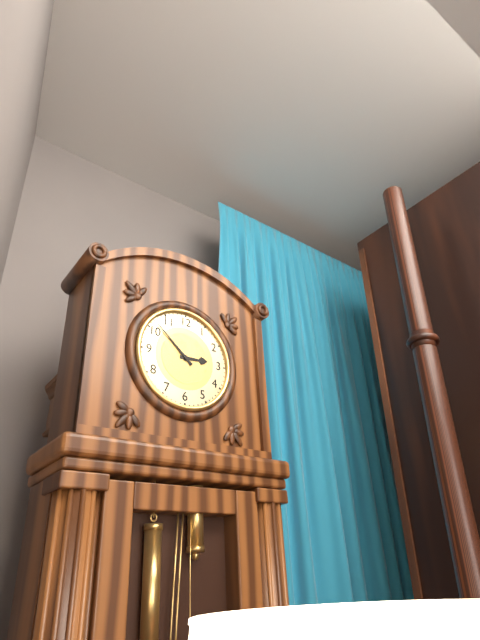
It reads 2h52
